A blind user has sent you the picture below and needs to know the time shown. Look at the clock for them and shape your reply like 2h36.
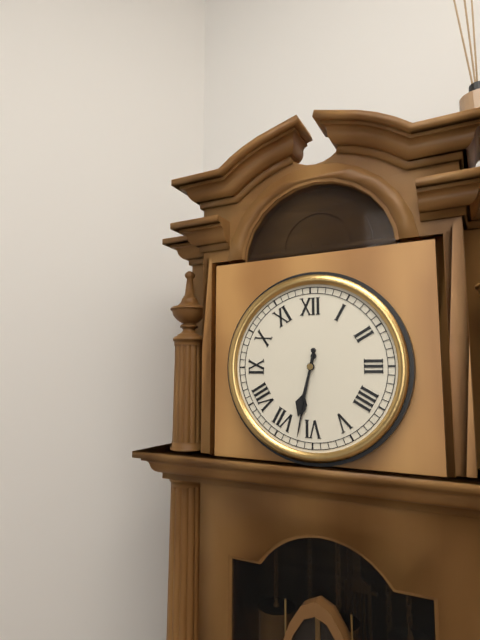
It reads 6h32
